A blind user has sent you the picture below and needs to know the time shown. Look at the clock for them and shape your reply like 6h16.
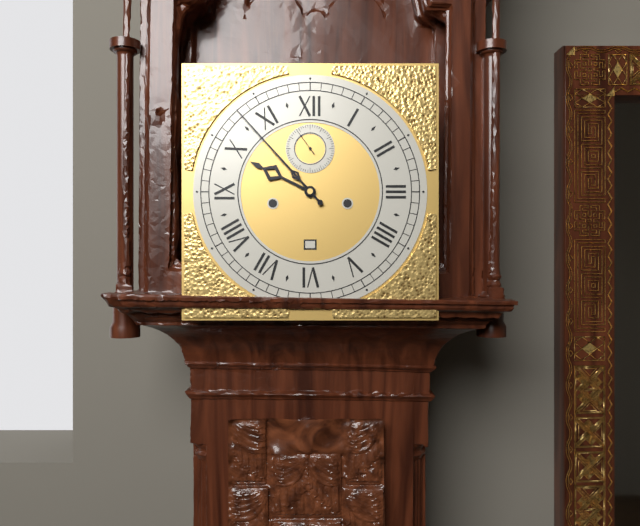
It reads 9h53
